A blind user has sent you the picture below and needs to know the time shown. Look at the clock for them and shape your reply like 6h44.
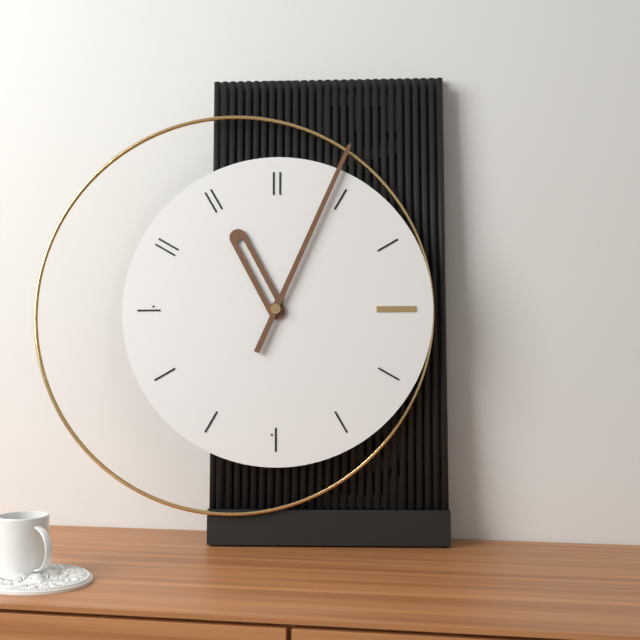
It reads 11h04
